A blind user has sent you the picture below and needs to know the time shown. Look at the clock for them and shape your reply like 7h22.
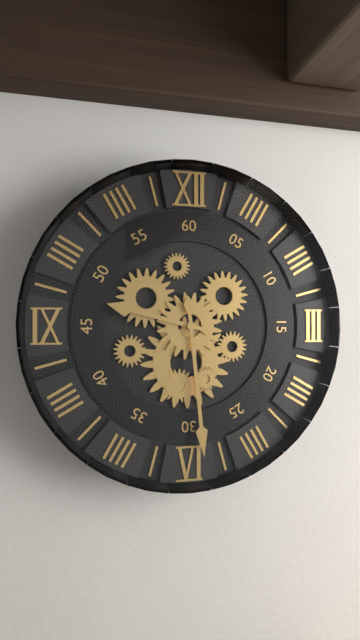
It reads 9h29
